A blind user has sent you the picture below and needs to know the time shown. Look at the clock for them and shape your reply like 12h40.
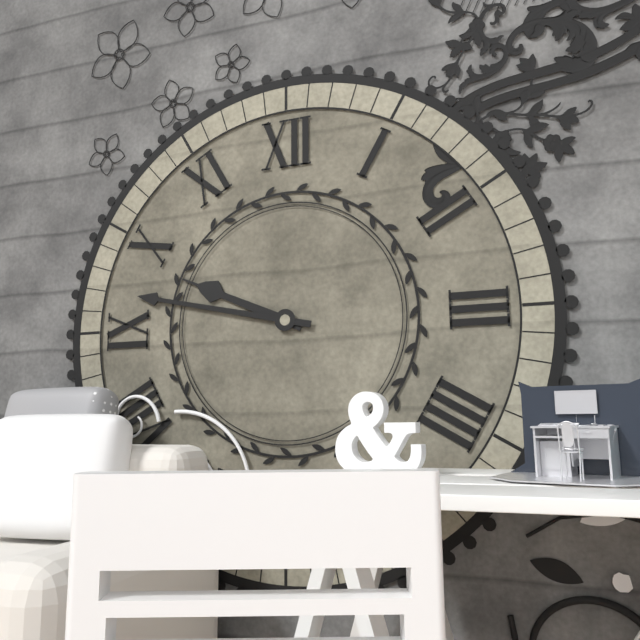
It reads 9h47
